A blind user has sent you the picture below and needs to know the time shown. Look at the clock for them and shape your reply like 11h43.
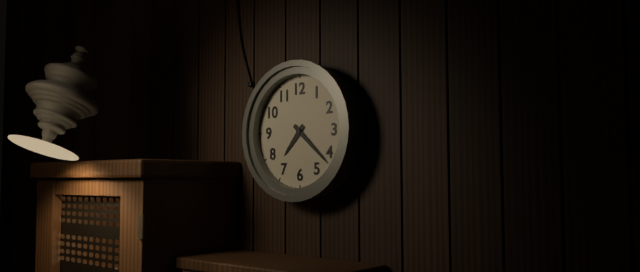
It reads 7h22
